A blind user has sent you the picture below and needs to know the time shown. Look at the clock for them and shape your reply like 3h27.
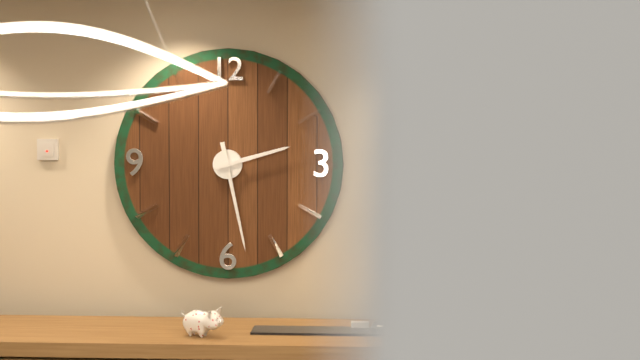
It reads 2h28
